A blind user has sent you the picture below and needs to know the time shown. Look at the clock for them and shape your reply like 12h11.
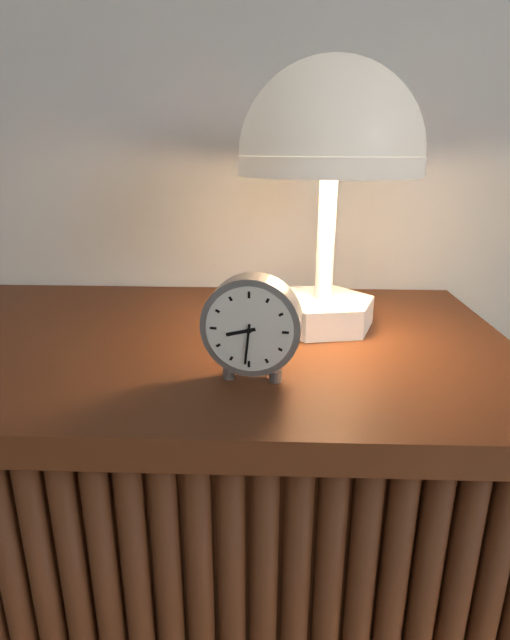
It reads 8h31
